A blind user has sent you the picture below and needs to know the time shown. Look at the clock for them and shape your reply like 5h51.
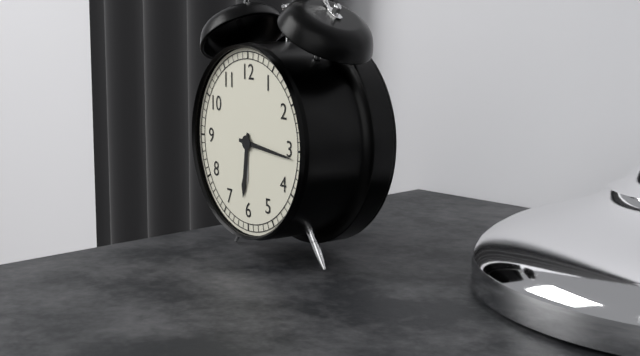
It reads 6h16
